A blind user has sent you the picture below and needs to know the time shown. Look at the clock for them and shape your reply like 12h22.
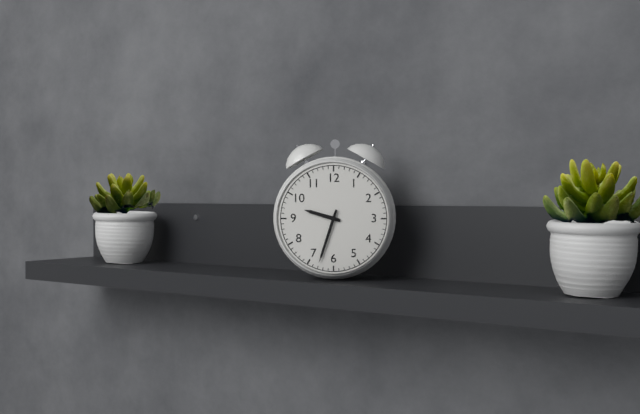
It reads 9h33
